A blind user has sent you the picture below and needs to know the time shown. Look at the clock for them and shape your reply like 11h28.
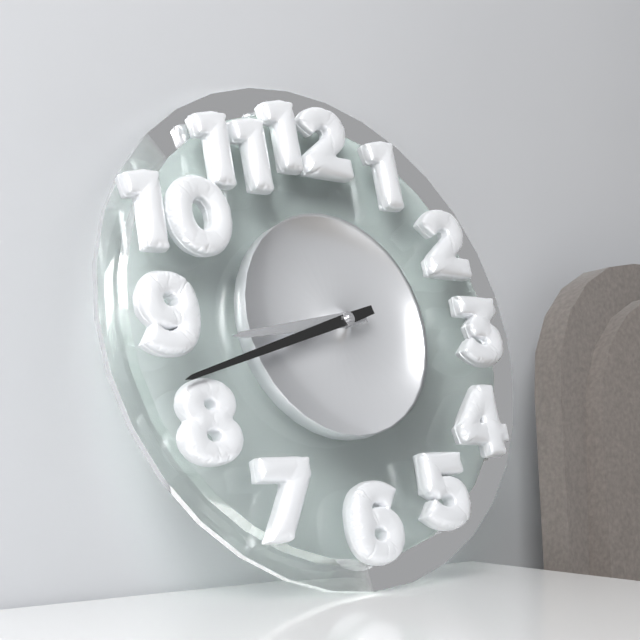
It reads 8h42
